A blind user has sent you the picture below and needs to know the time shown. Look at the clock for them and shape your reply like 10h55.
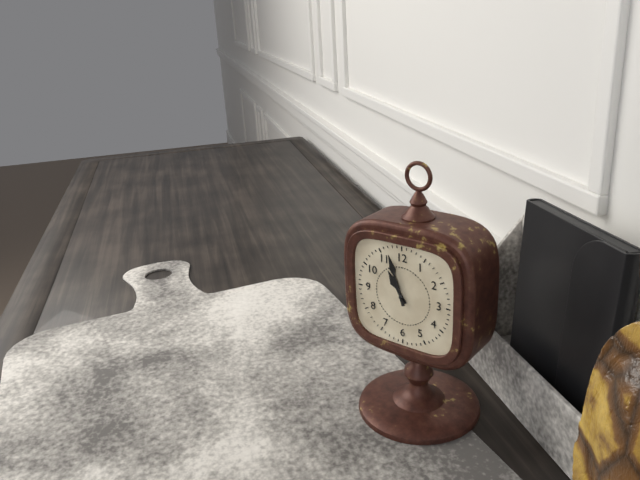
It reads 10h57
